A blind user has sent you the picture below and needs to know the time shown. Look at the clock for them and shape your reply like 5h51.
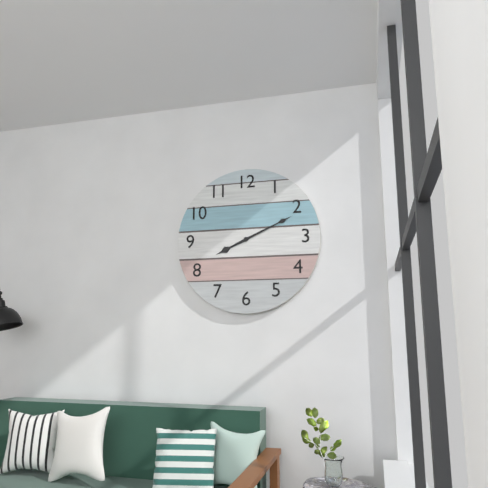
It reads 8h11
